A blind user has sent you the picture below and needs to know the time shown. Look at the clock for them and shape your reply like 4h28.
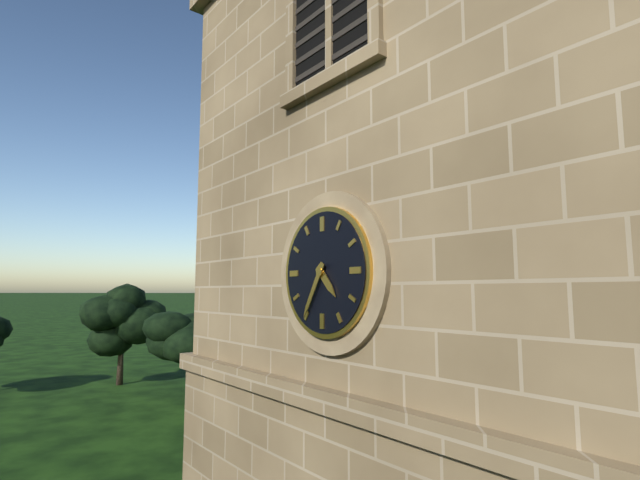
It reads 4h35
